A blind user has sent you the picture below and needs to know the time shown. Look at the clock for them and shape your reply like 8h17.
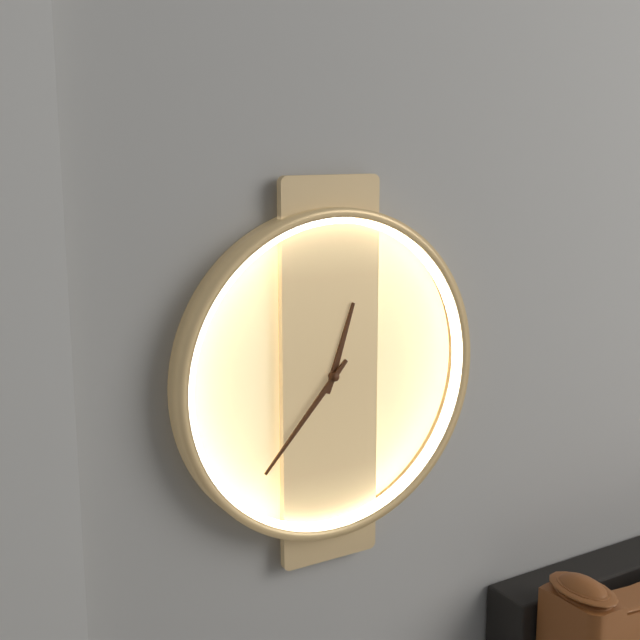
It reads 12h37
